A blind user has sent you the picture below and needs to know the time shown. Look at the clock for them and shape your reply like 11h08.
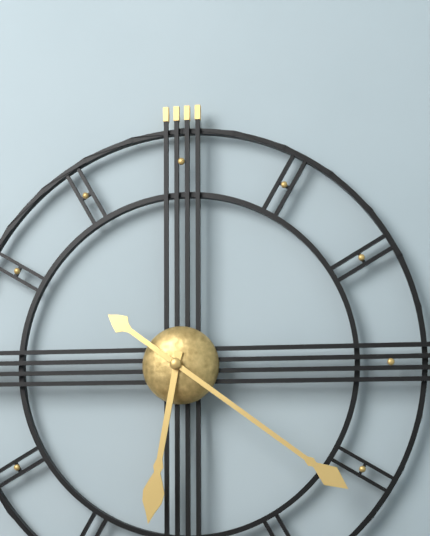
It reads 6h21
